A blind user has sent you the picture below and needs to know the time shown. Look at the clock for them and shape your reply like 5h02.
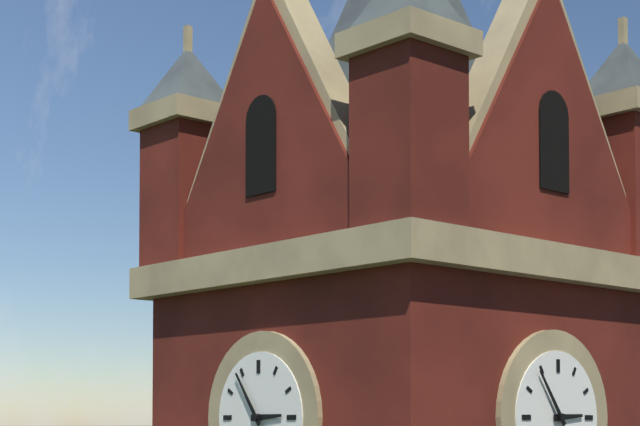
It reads 2h54
